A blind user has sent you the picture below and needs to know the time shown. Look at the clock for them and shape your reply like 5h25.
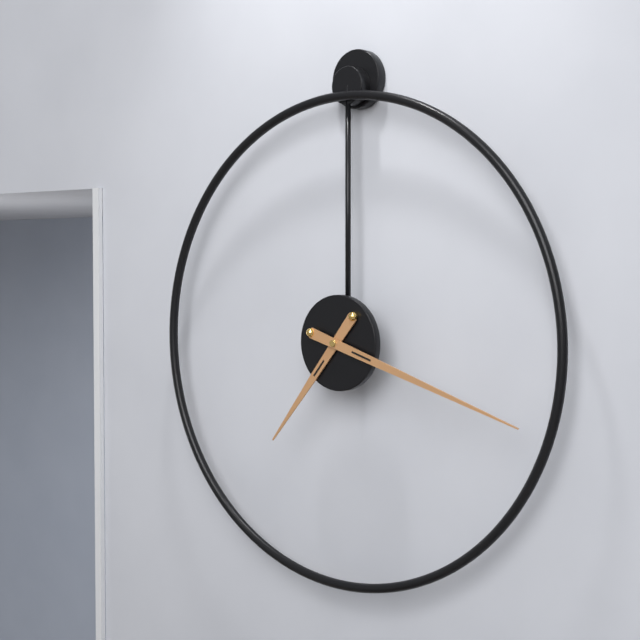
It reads 7h18
